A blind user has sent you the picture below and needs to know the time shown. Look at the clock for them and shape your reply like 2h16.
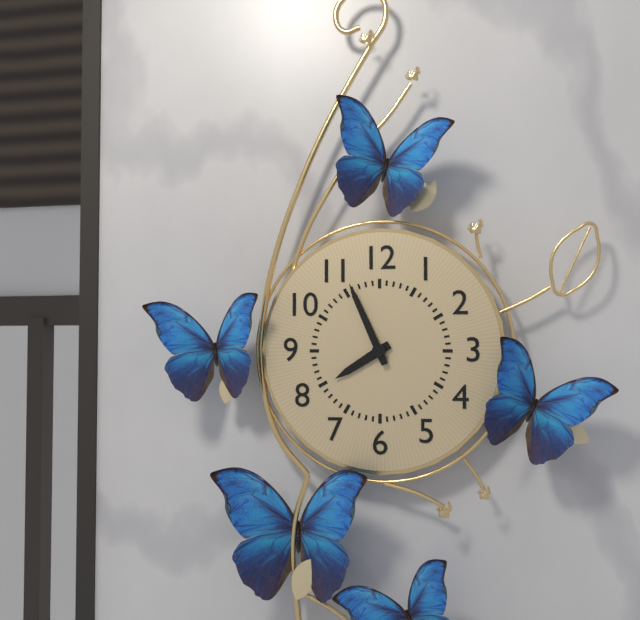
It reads 7h56
